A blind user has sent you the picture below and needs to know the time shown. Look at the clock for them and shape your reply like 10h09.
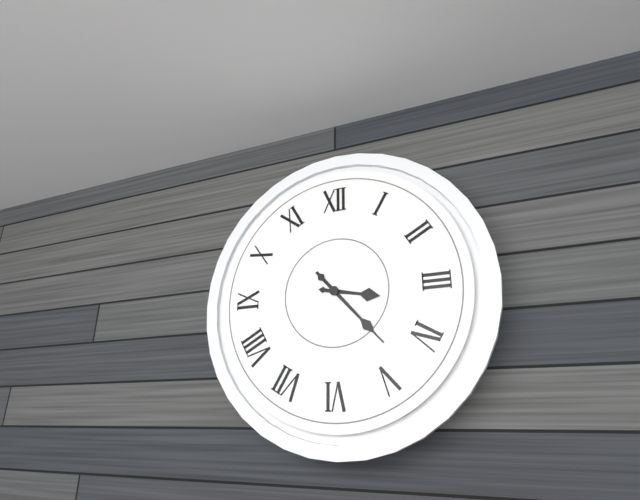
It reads 3h23
